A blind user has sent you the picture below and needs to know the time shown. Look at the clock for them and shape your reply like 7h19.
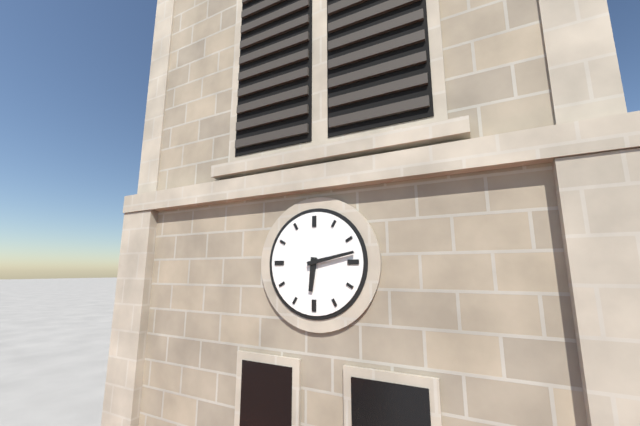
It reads 6h13
